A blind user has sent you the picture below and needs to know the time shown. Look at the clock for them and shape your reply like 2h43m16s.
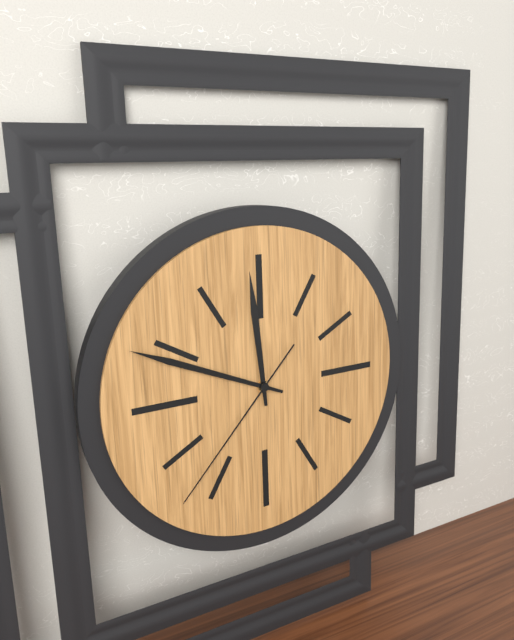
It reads 11h49m37s
